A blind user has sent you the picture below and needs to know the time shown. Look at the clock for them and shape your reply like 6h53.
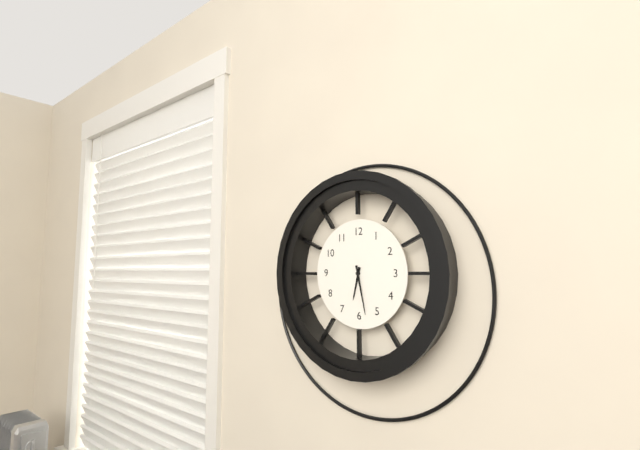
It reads 6h28
